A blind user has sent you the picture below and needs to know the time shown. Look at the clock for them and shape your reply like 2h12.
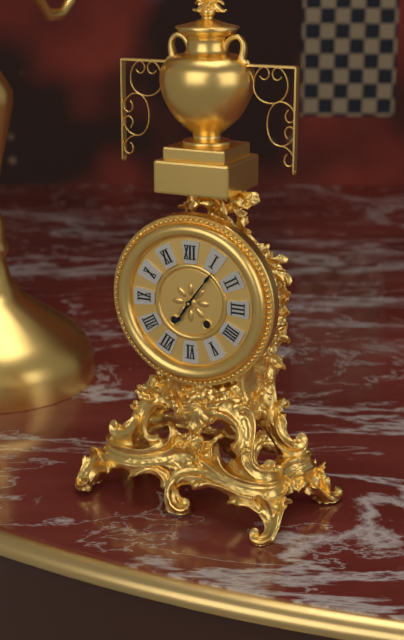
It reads 7h06
